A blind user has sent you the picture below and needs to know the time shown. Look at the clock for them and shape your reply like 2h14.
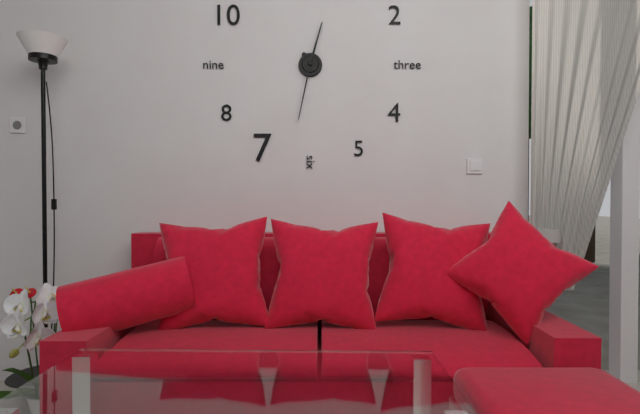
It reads 12h32
